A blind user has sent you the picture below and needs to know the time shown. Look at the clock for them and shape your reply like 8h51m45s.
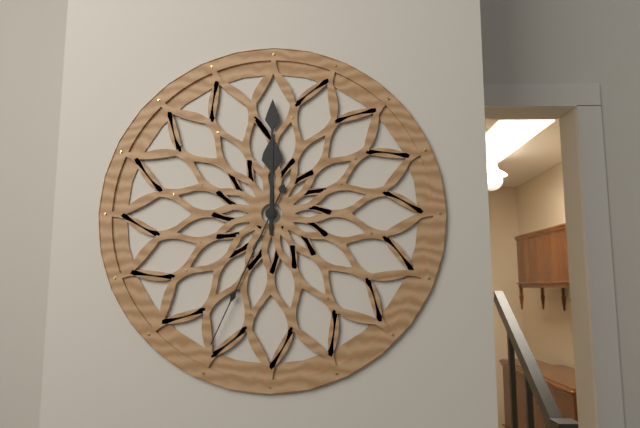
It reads 12h00m34s
